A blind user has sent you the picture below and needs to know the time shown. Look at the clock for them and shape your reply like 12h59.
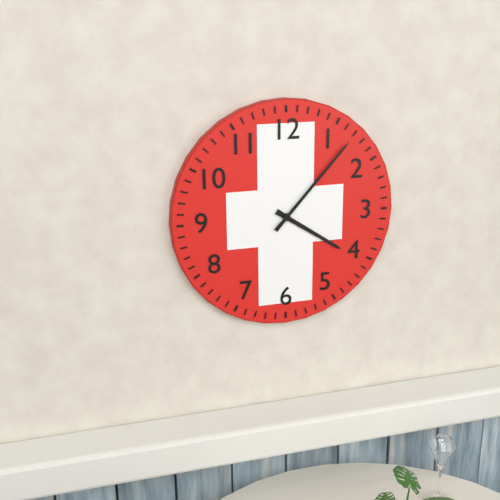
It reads 4h07
